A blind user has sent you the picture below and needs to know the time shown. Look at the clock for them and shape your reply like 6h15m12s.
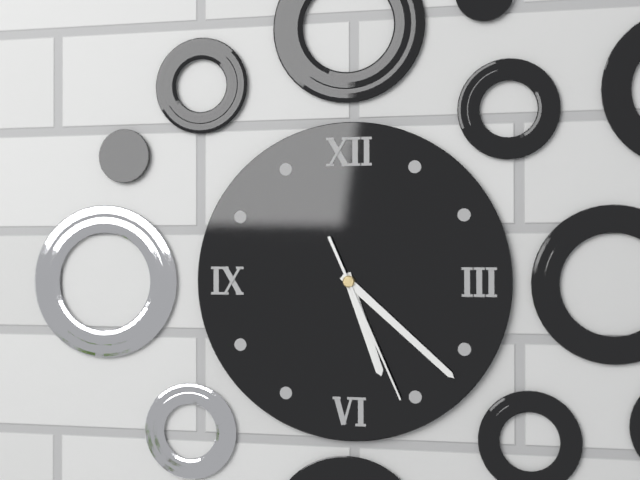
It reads 5h22m26s
